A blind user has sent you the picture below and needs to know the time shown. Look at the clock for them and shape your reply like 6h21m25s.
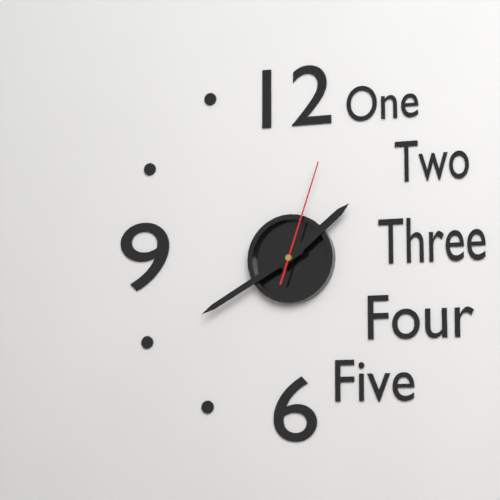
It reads 1h40m03s
